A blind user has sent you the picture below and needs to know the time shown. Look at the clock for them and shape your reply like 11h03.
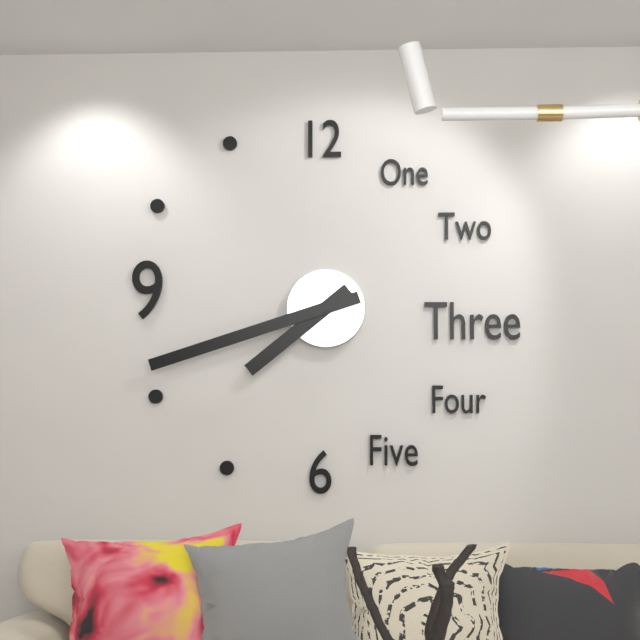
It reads 7h42
